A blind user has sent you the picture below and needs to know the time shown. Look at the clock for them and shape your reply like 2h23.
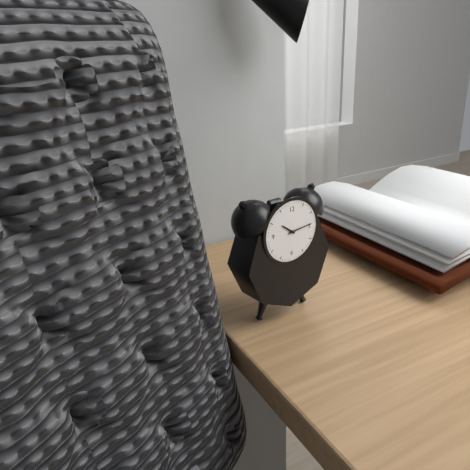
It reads 10h14
